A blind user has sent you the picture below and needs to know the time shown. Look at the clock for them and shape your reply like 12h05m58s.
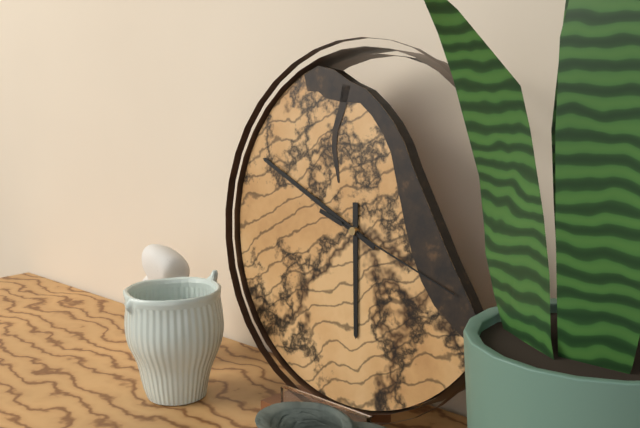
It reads 5h49m18s
